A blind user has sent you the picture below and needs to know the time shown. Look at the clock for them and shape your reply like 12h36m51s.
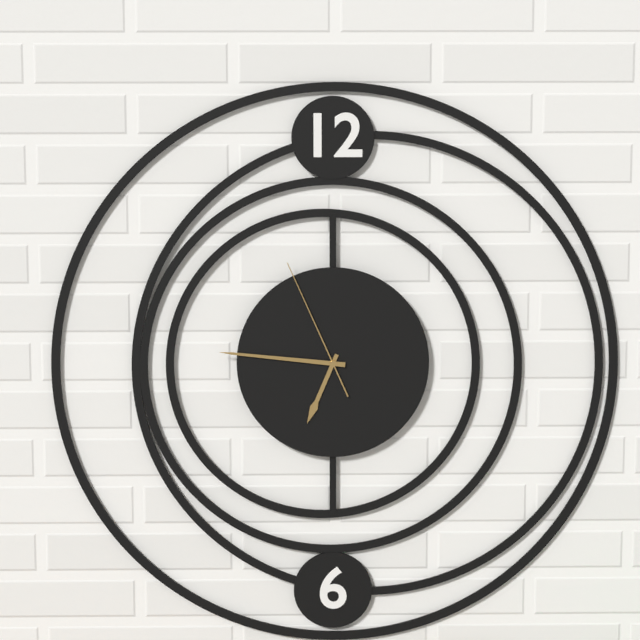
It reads 6h46m56s
